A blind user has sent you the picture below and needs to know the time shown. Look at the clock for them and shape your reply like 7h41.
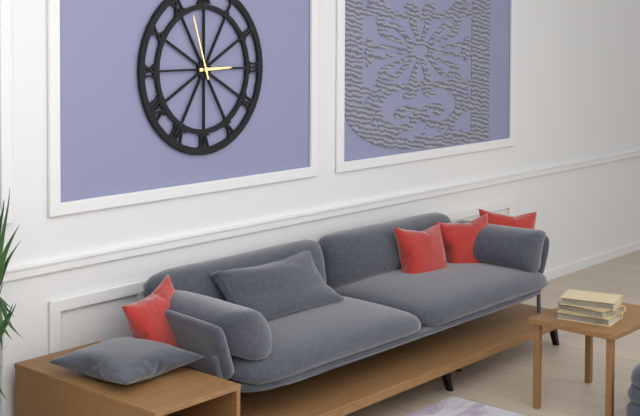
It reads 2h57
